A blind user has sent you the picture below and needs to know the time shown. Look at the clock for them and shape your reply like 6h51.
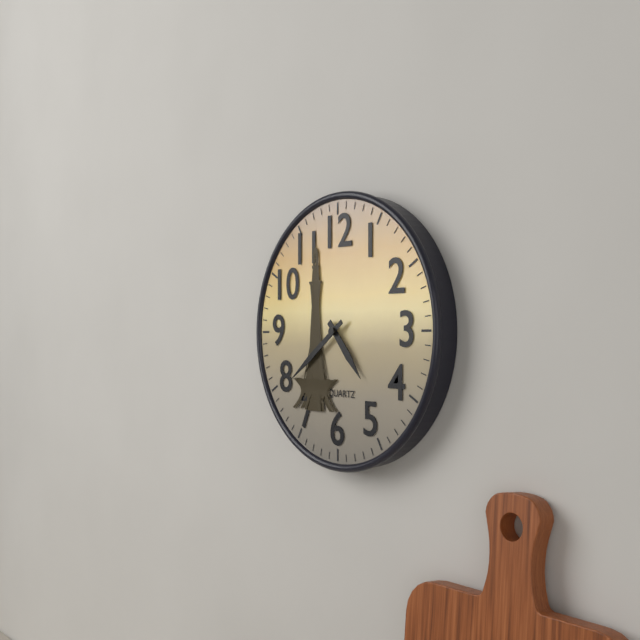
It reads 4h39
